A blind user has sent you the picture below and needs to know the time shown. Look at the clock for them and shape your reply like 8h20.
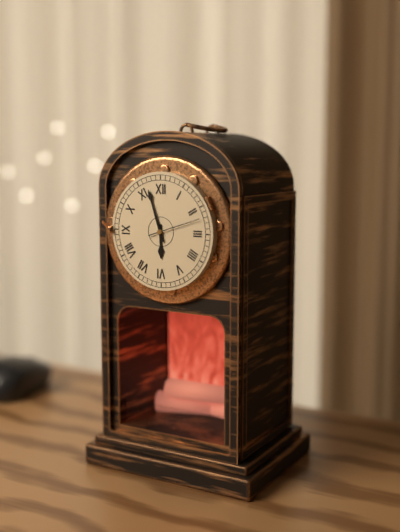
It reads 5h57
